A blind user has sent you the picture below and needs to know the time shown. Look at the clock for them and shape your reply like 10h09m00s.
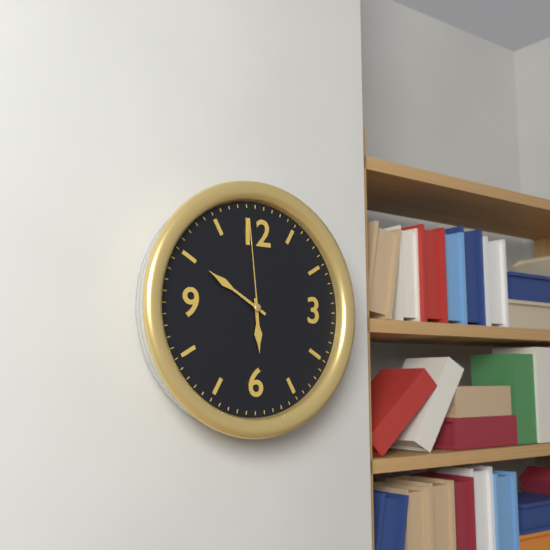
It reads 5h50m59s
